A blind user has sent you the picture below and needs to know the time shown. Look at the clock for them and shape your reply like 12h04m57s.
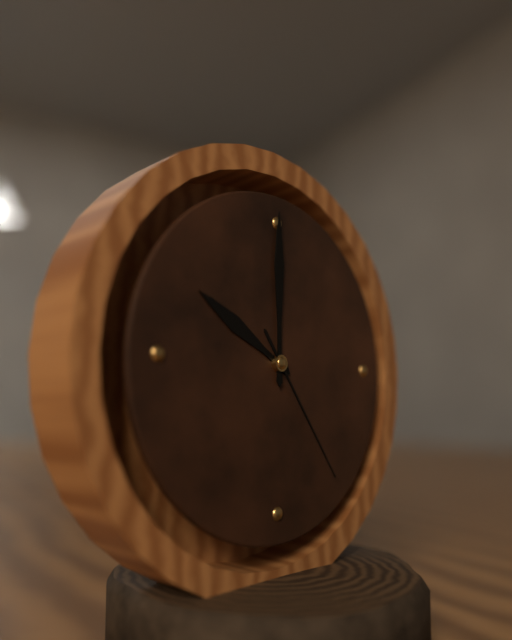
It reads 10h00m24s
